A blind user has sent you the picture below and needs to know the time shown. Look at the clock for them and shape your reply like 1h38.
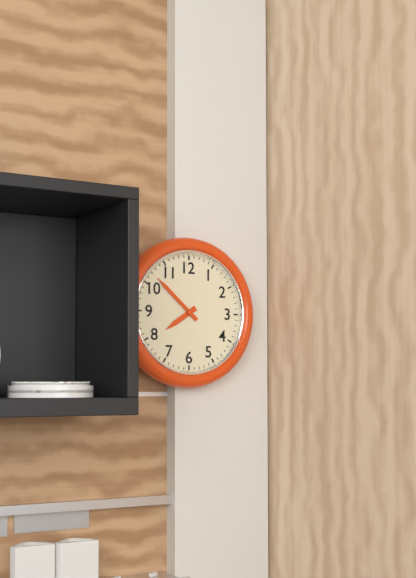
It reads 7h52
